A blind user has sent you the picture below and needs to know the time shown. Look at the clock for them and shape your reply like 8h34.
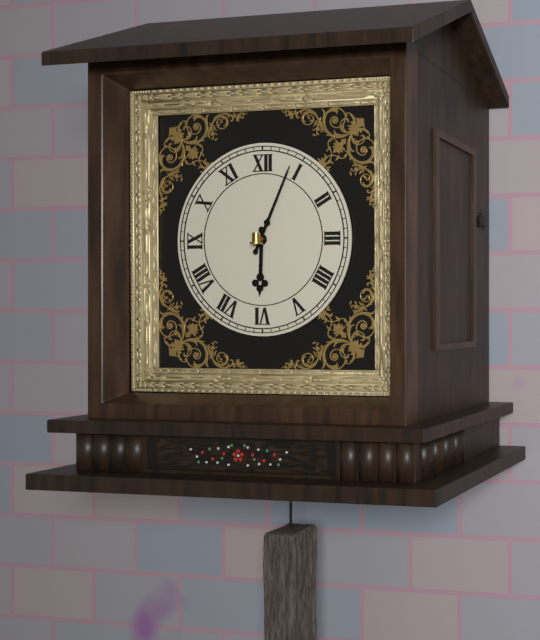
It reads 6h04
